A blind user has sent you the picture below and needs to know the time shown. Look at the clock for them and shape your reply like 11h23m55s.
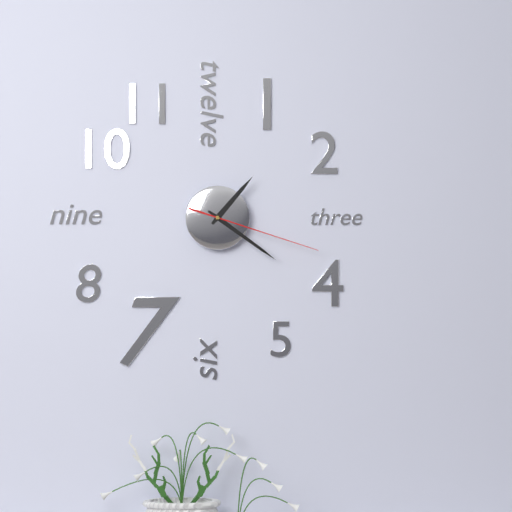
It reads 1h21m18s
